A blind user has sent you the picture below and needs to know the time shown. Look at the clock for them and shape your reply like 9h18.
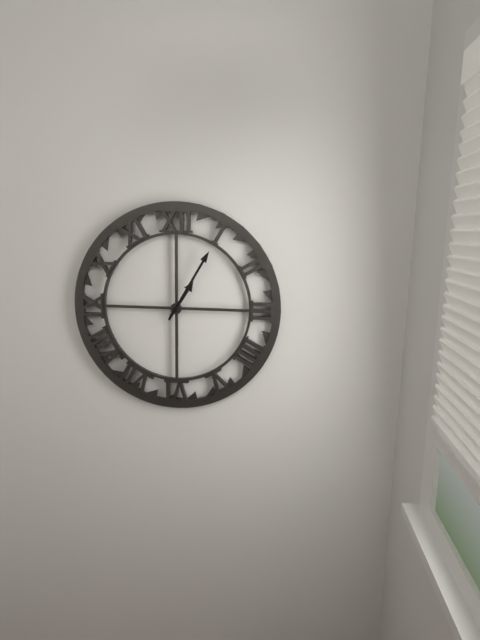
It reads 1h05
